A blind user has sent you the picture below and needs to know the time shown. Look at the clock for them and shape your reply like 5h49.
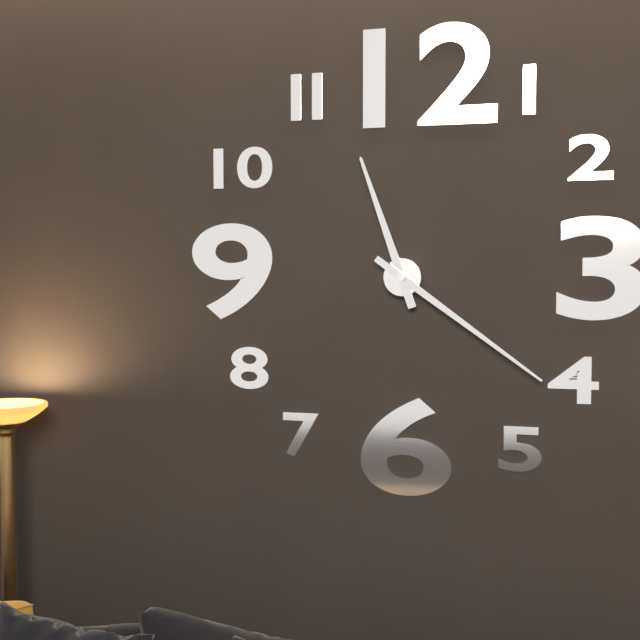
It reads 11h21
